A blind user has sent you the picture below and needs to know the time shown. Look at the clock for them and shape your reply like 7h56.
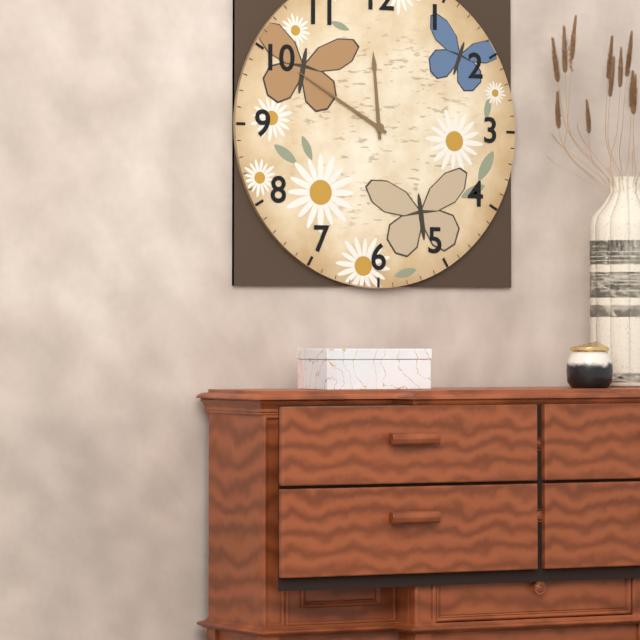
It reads 11h50
